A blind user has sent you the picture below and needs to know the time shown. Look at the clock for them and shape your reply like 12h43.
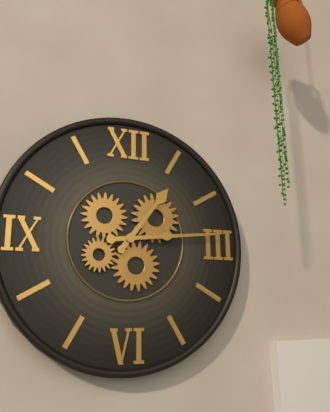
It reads 1h14
